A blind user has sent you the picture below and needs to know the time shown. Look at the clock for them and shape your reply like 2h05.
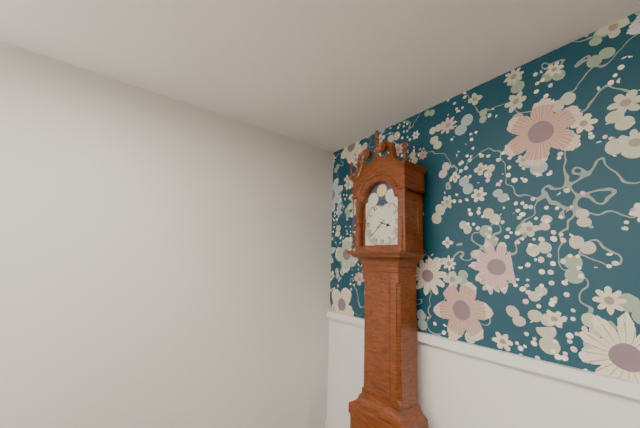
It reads 3h38
